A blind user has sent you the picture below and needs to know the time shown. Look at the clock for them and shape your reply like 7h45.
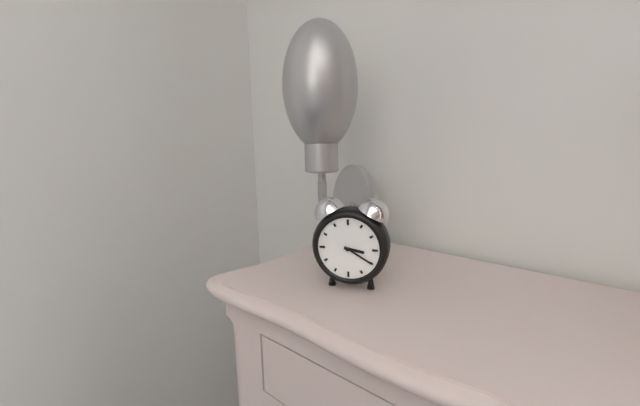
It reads 3h20
